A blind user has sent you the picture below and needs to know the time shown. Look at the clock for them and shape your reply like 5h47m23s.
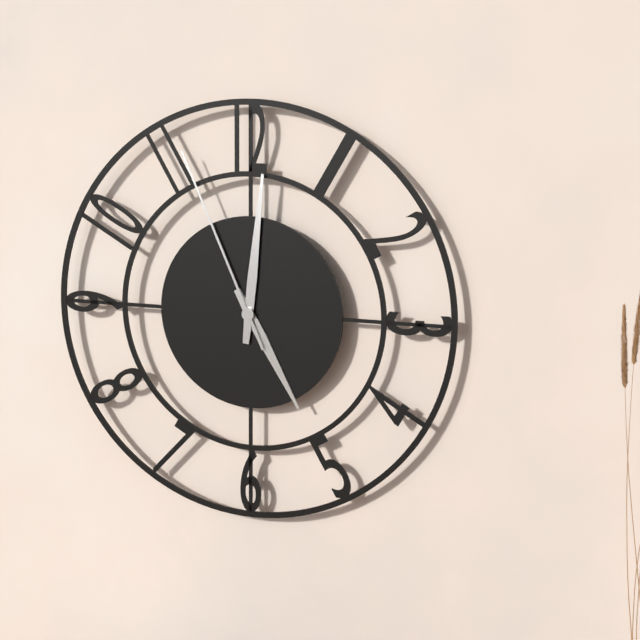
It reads 5h01m56s
